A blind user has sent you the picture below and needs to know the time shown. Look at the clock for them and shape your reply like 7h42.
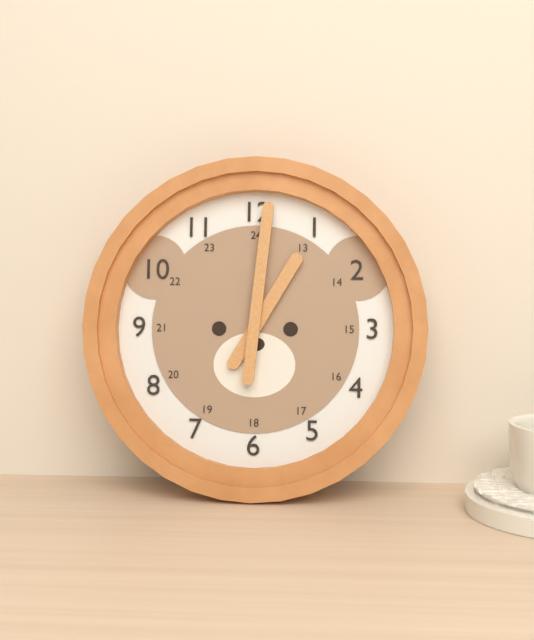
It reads 1h01
